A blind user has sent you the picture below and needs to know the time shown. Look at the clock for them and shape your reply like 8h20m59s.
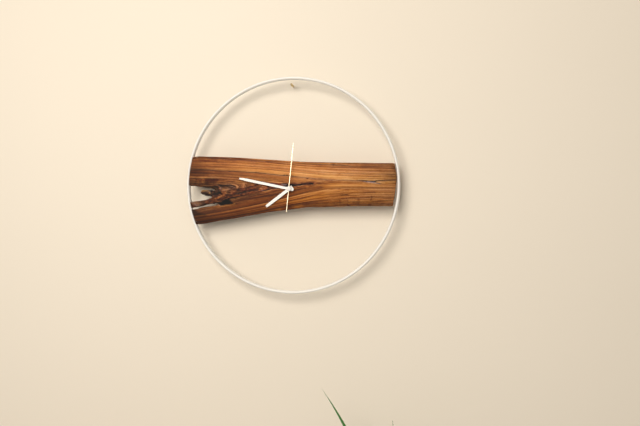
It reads 7h47m01s
